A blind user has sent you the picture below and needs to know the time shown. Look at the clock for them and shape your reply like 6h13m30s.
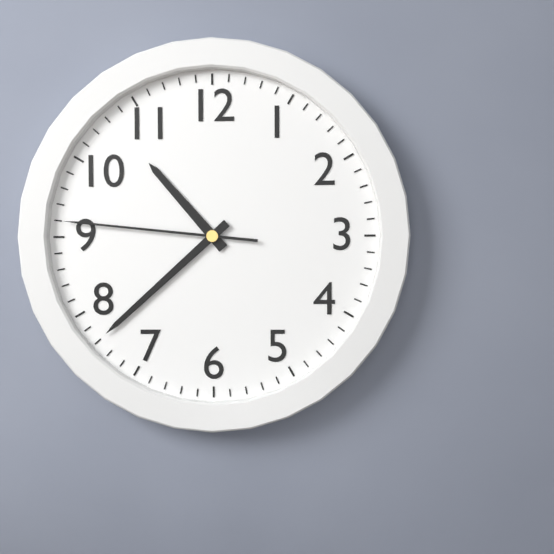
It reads 10h38m46s
